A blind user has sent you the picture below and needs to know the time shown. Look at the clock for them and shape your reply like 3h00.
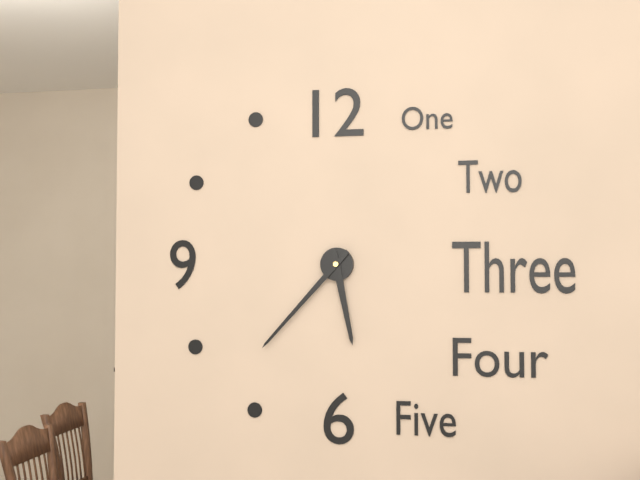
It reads 5h37
